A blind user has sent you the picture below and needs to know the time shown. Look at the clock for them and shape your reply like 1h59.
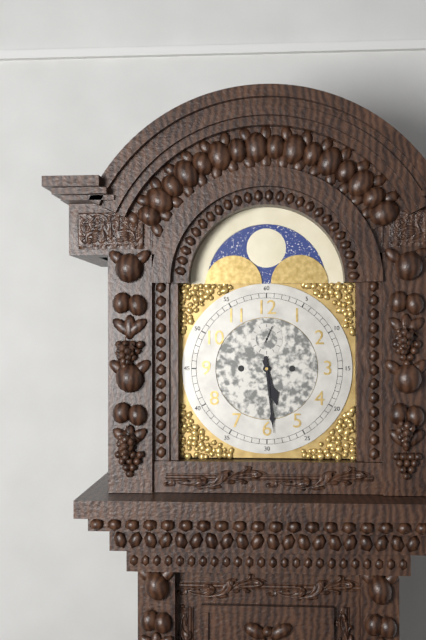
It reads 5h29
